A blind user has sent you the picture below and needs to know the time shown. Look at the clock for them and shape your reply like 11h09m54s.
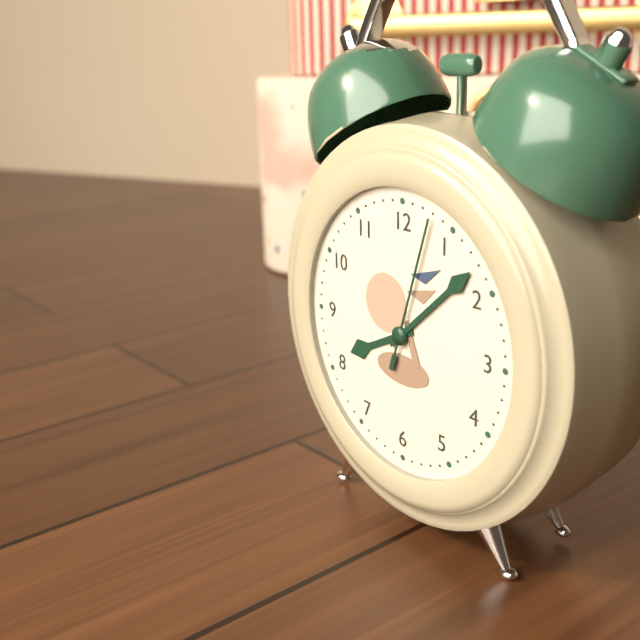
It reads 8h08m03s
